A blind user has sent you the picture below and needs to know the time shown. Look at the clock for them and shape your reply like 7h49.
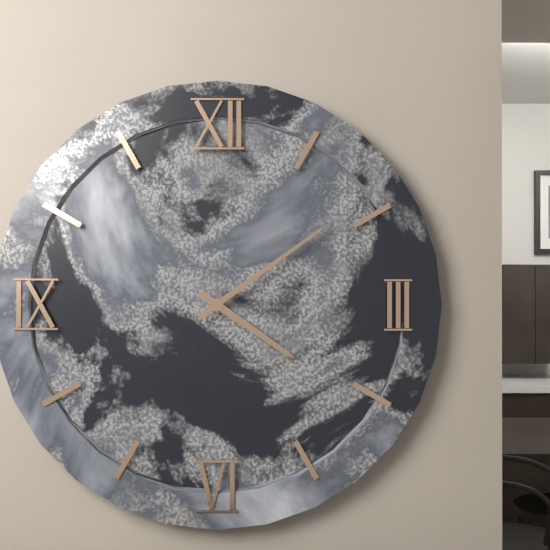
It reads 4h09
